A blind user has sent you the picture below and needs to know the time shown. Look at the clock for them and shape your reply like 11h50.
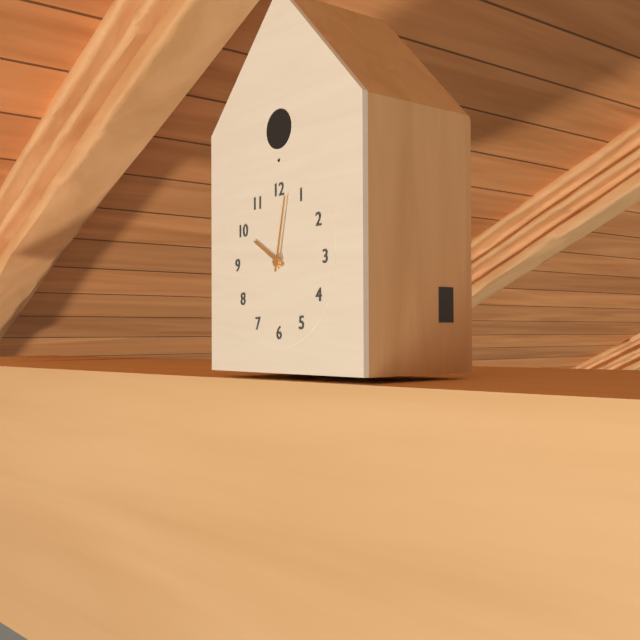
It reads 10h02
